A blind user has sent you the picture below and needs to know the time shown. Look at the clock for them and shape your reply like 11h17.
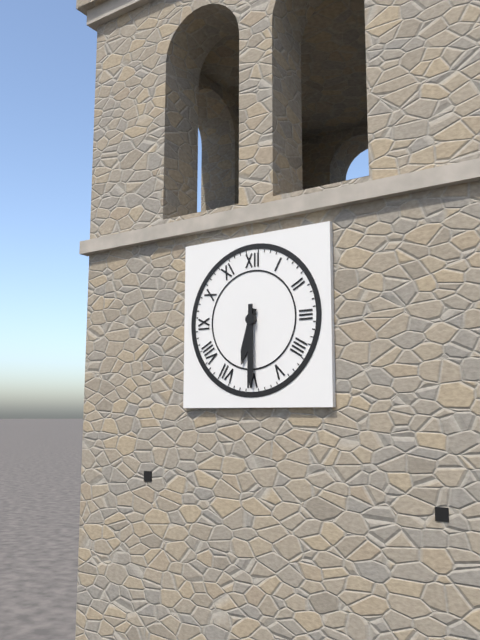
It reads 6h30
